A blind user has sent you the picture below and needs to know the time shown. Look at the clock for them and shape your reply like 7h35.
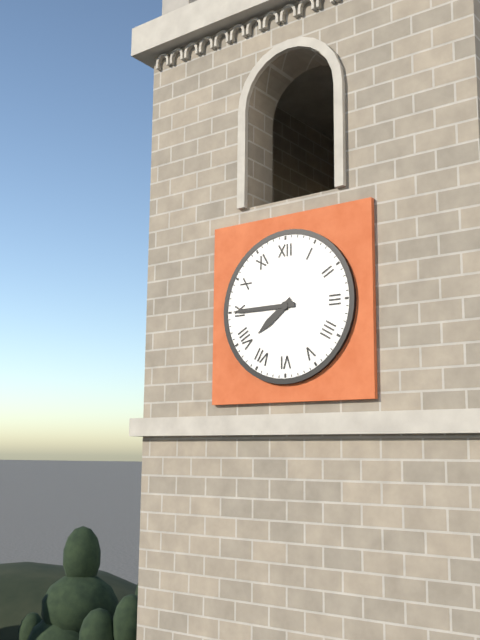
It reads 7h45
